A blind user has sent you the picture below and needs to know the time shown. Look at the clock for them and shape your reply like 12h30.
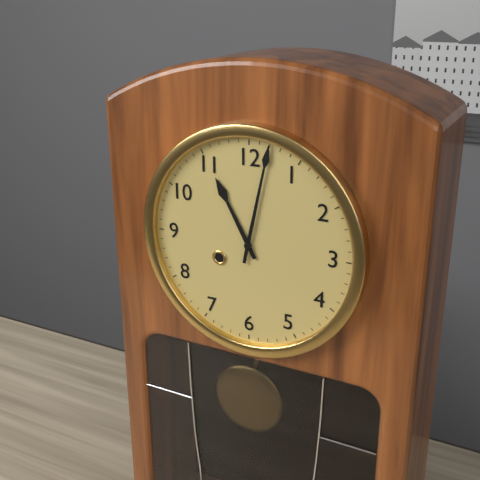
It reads 11h02
